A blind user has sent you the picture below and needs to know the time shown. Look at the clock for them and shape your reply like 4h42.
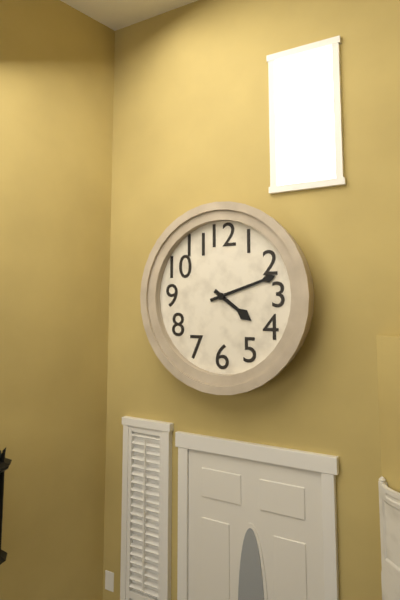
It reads 4h12
